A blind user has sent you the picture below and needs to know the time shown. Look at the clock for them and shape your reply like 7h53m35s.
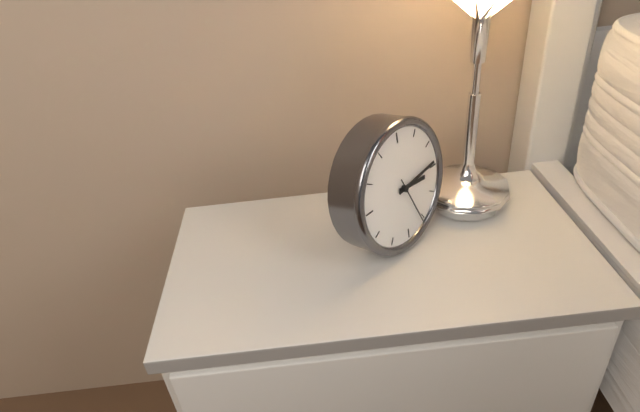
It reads 3h14m26s
